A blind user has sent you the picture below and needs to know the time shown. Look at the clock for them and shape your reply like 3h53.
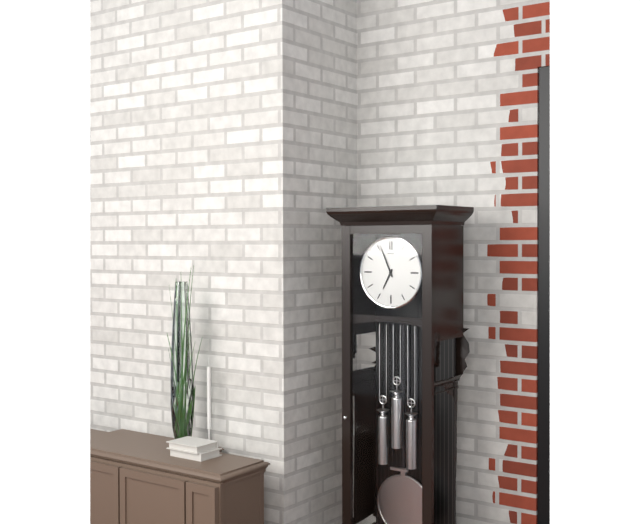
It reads 6h56
